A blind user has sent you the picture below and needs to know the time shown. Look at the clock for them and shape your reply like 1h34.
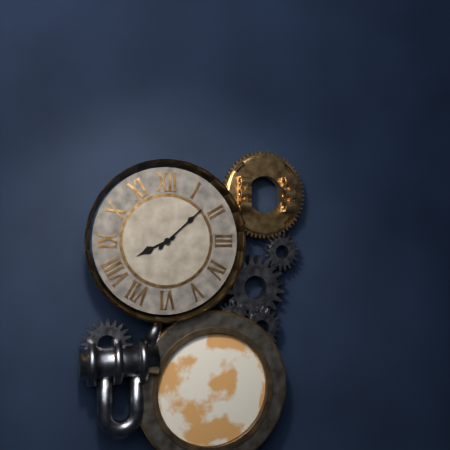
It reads 8h08
